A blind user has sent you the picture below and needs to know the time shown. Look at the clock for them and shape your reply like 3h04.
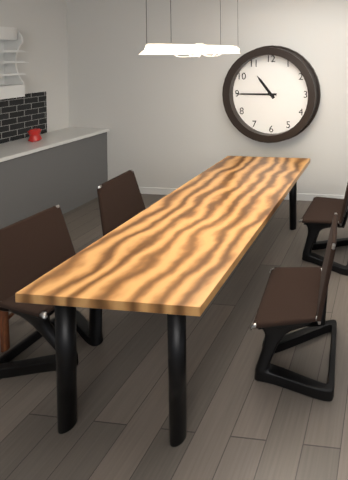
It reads 10h45
